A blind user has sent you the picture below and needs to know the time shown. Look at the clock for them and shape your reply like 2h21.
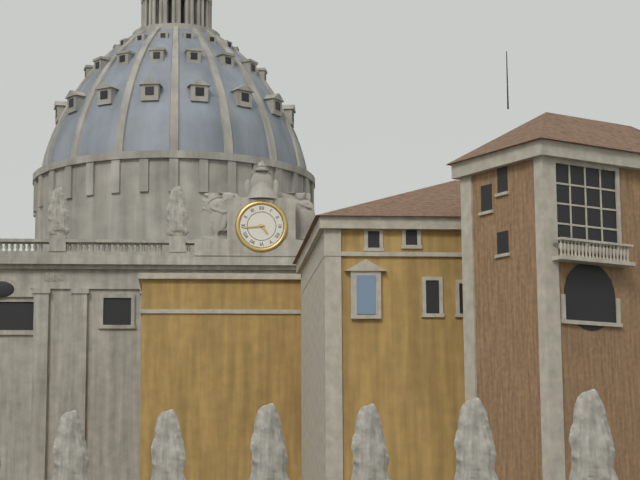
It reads 4h44
